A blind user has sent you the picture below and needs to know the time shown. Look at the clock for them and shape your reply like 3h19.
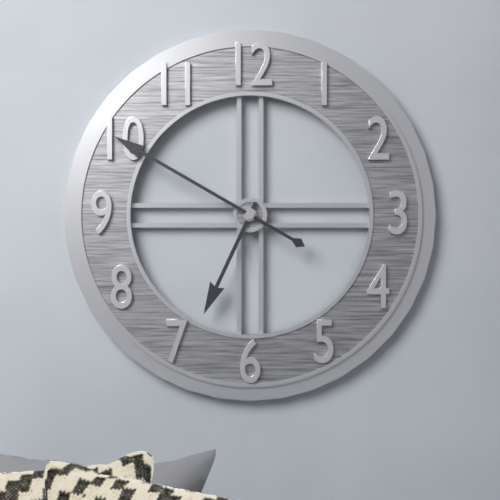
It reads 6h50
